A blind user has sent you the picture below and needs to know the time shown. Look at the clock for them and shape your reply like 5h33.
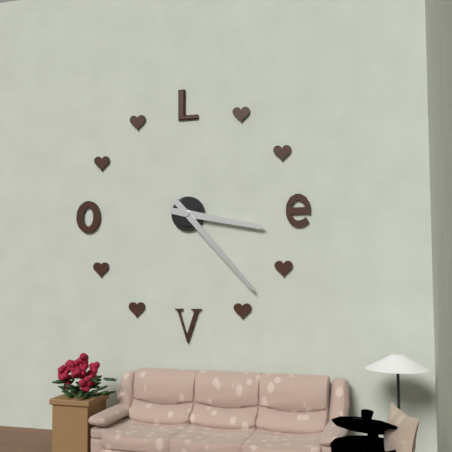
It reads 3h23
